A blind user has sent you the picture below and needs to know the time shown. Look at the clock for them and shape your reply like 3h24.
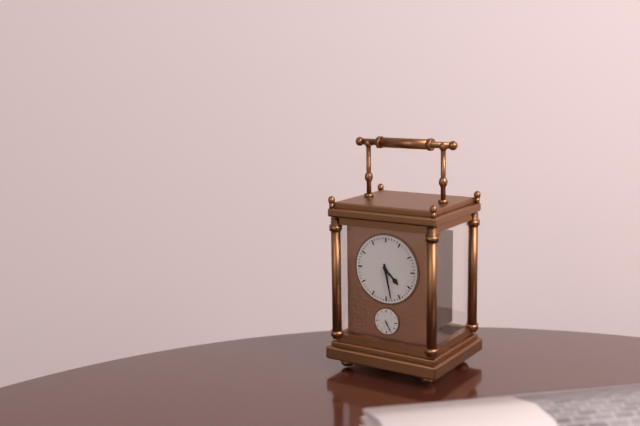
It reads 4h28
